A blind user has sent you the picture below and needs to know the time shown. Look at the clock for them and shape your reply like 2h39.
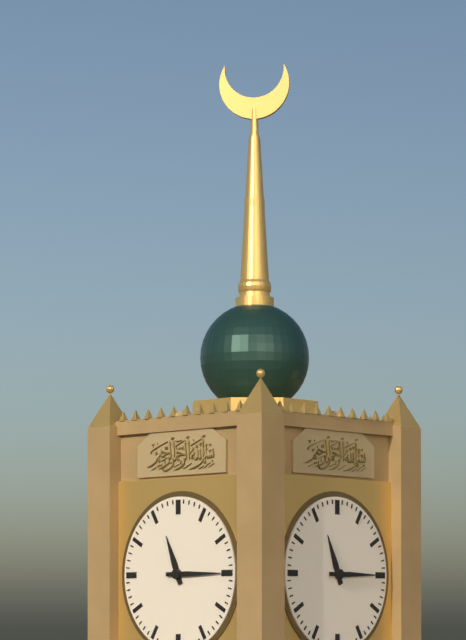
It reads 11h15
